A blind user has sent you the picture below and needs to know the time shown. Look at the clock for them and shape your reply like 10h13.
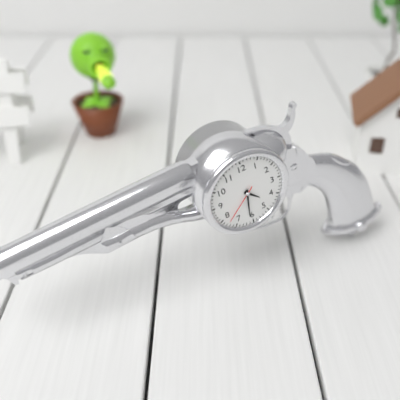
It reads 4h31
